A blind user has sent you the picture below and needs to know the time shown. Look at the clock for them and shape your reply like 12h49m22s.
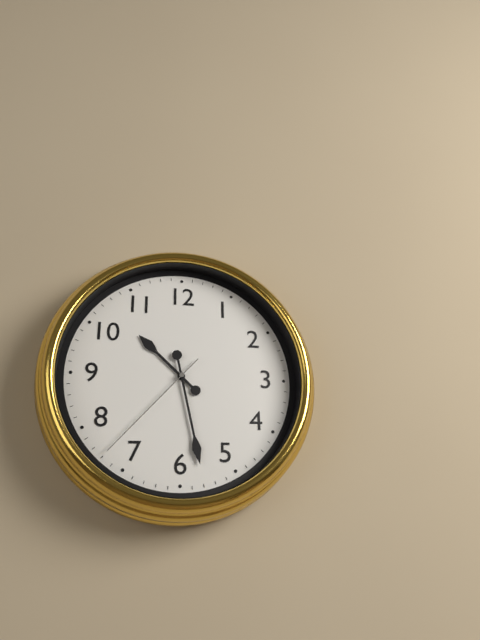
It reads 10h28m37s
